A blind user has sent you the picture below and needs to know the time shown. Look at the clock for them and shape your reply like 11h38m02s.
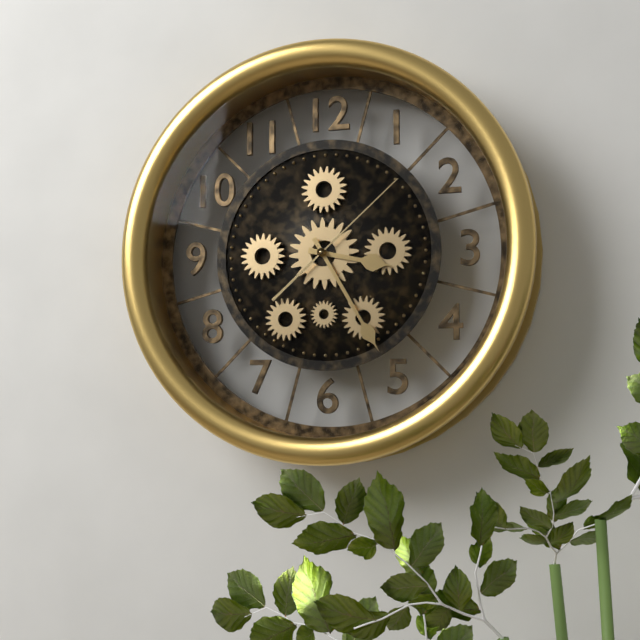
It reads 3h25m08s
